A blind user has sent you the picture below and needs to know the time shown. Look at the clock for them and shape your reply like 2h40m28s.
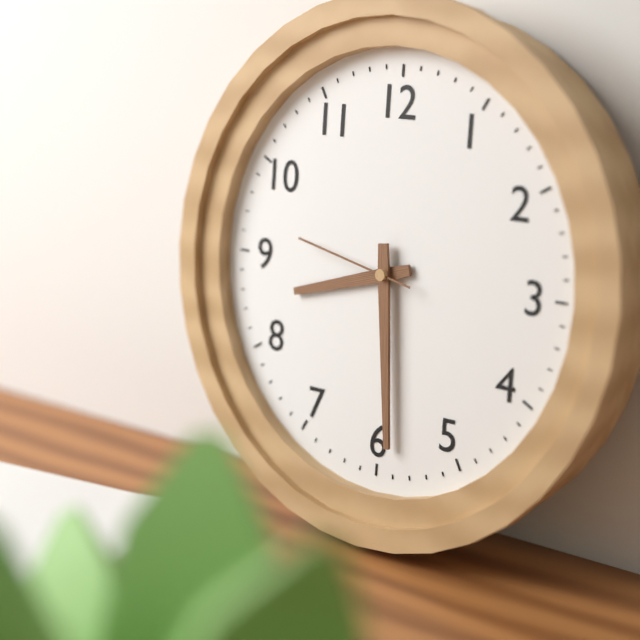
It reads 8h29m47s
